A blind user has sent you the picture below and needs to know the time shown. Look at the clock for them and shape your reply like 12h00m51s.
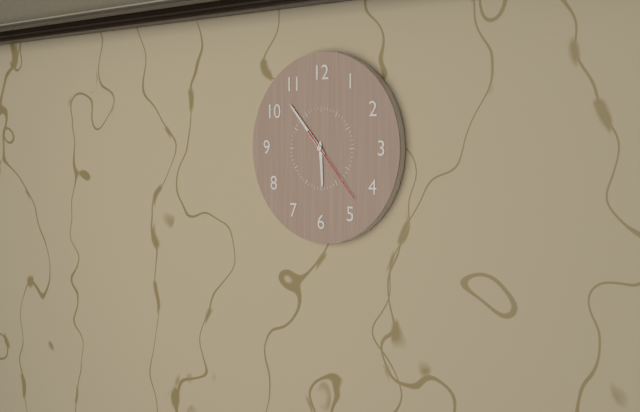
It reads 5h53m23s
